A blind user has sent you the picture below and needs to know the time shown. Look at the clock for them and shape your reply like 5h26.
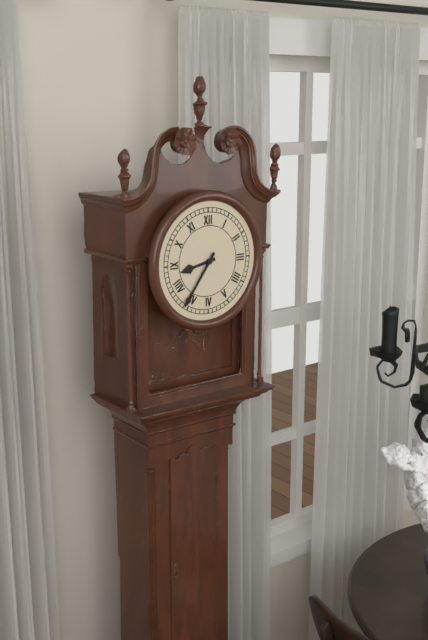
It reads 8h36
